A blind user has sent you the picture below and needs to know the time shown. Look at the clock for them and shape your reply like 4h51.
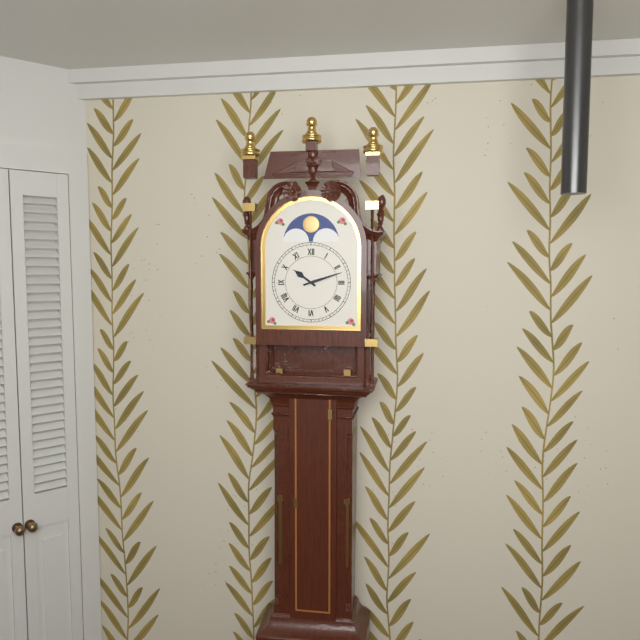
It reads 10h12
